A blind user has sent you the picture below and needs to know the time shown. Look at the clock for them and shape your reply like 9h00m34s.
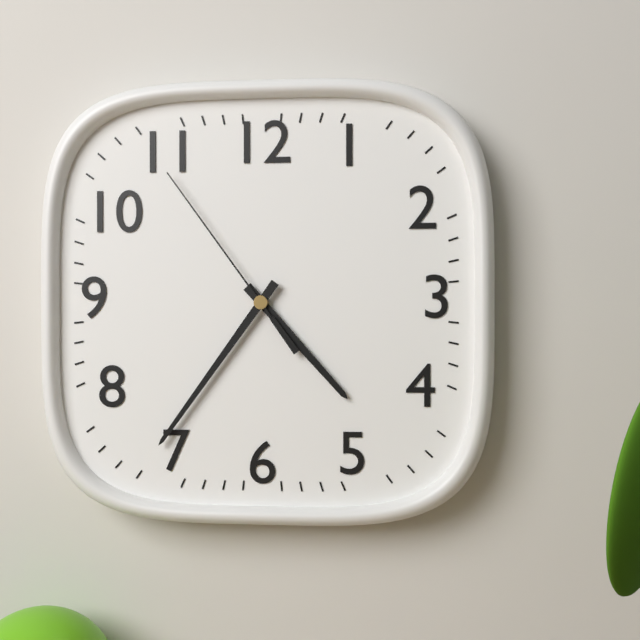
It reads 4h36m54s
